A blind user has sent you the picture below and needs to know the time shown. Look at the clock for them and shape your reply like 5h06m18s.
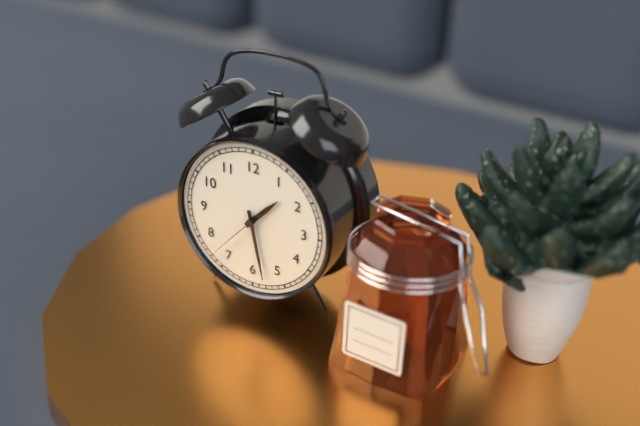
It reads 1h28m37s
